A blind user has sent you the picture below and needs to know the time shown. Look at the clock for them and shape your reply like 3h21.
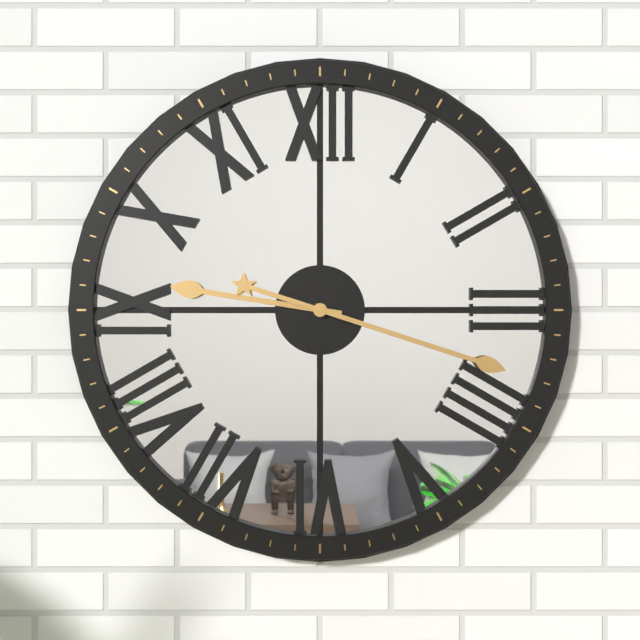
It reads 9h18
